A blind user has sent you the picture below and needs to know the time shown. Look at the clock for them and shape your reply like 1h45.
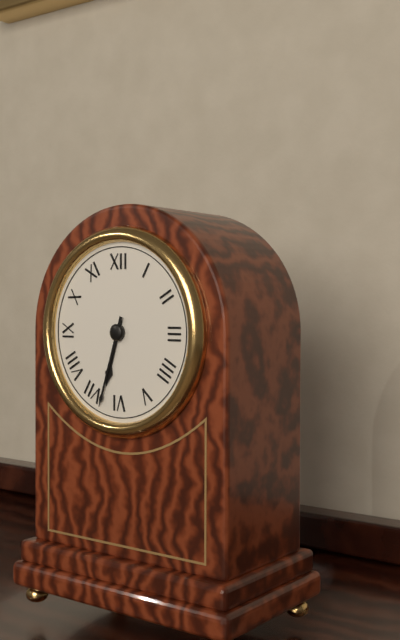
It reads 6h33
